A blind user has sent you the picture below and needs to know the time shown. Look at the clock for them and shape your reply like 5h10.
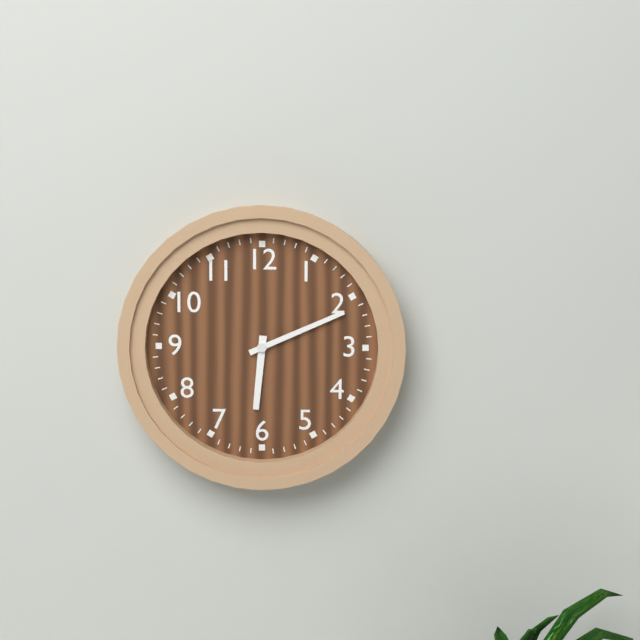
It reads 6h11
